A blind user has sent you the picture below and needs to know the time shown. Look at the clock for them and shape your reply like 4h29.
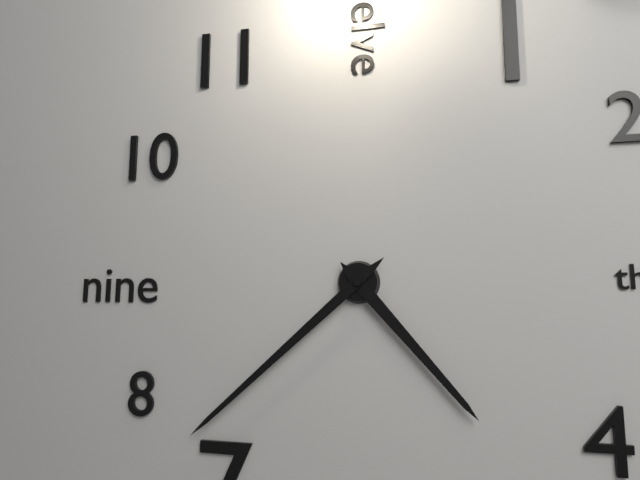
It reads 4h38
